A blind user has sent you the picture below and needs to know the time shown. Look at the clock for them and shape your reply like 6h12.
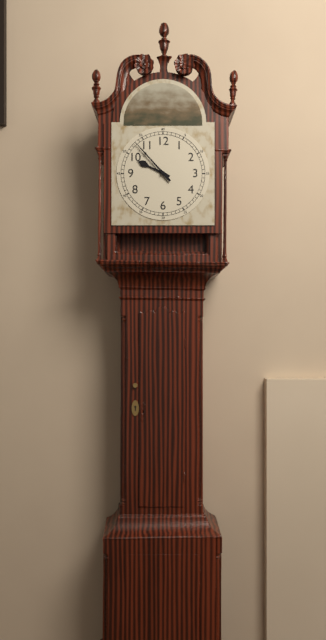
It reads 9h53
